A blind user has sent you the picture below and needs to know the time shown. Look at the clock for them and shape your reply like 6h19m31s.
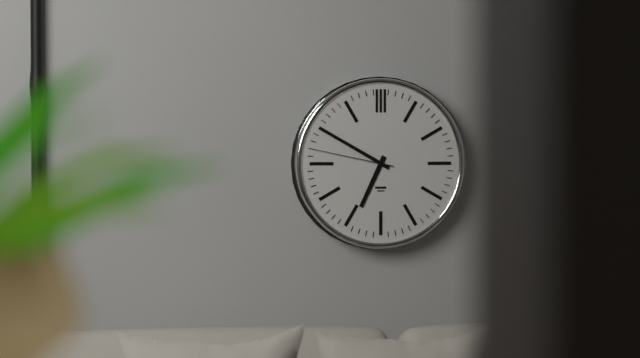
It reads 6h50m47s
